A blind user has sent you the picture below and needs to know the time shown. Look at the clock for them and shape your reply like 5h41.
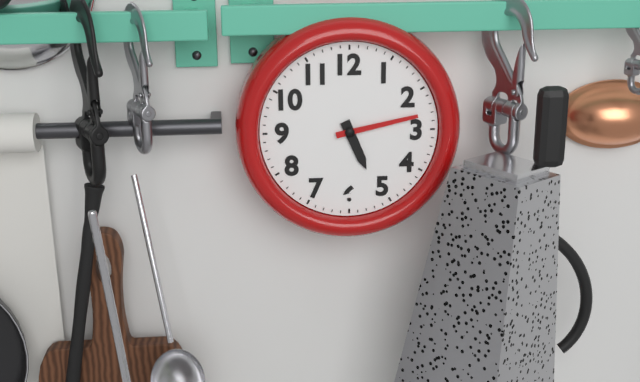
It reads 5h13
